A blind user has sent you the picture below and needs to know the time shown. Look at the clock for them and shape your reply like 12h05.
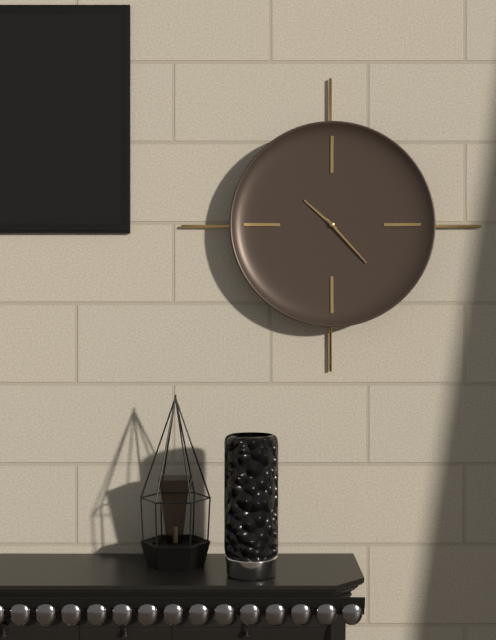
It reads 10h23
